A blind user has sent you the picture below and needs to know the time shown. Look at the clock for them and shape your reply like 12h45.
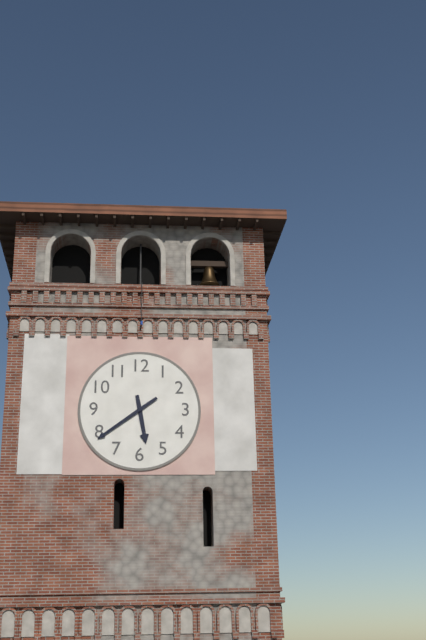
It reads 5h39
